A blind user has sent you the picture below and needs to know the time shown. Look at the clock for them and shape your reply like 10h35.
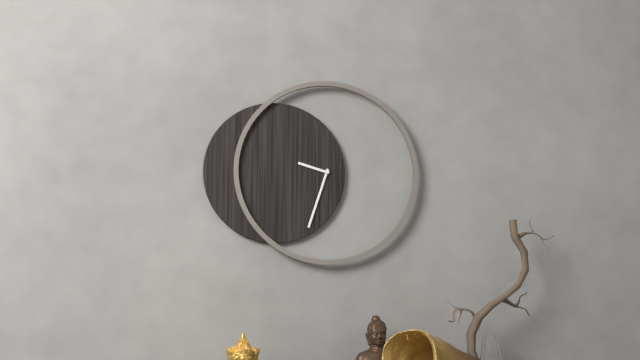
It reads 9h33
